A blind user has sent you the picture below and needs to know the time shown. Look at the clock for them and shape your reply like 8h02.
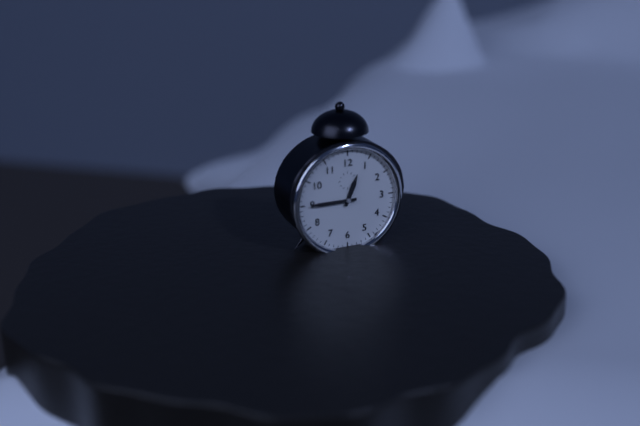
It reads 12h45
